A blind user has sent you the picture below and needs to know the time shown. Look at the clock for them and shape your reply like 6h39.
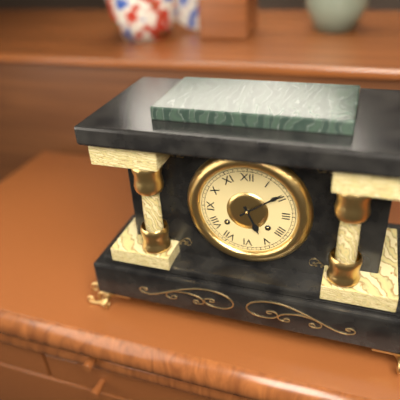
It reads 5h09
